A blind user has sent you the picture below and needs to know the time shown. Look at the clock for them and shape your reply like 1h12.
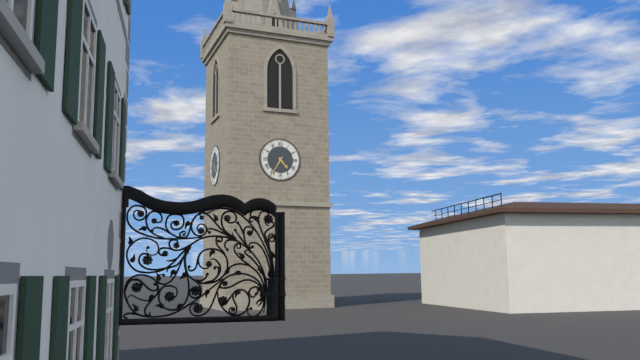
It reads 4h35
